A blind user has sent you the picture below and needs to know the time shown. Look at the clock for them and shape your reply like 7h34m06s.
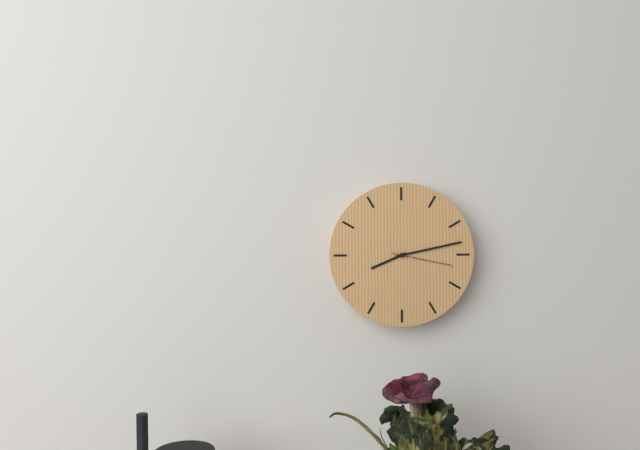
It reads 8h13m17s
